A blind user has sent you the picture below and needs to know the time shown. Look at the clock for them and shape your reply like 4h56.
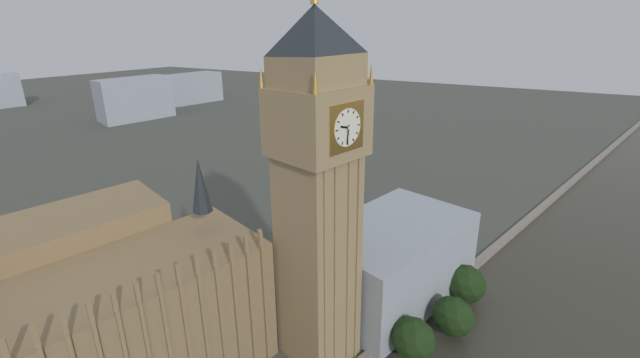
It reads 9h31
